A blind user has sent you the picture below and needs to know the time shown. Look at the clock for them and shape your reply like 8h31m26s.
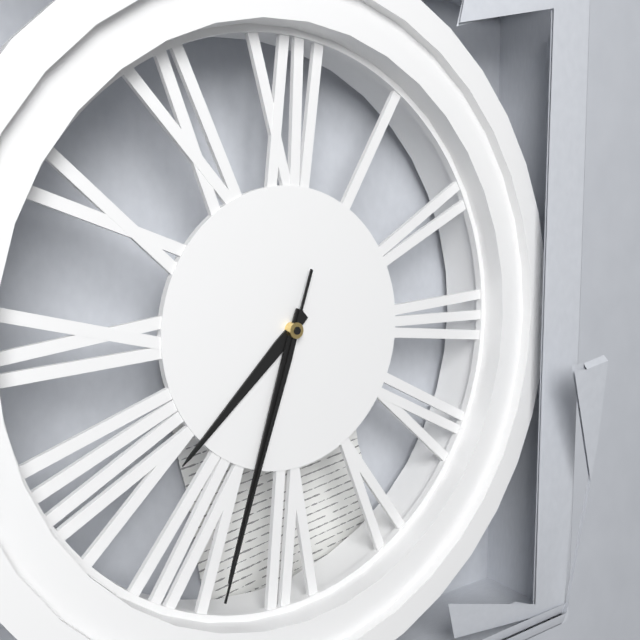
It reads 7h33m33s
